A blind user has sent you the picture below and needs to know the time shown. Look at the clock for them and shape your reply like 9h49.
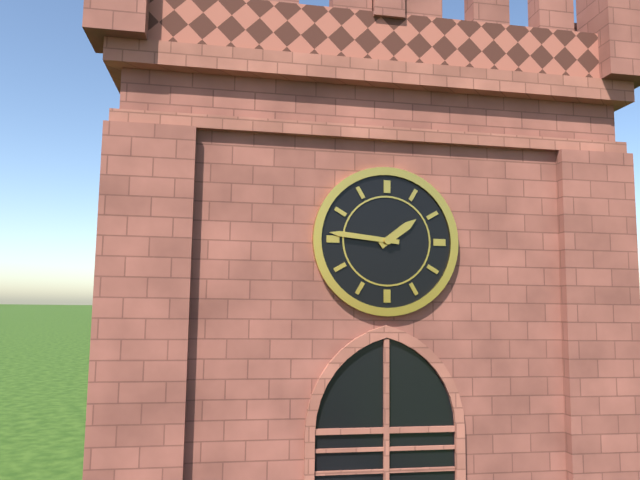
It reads 1h46
